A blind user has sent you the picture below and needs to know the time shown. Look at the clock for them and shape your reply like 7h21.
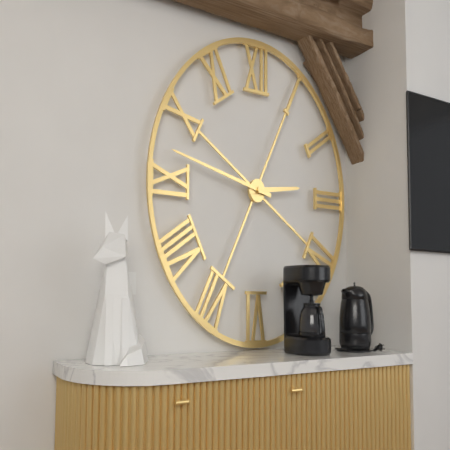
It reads 2h47
